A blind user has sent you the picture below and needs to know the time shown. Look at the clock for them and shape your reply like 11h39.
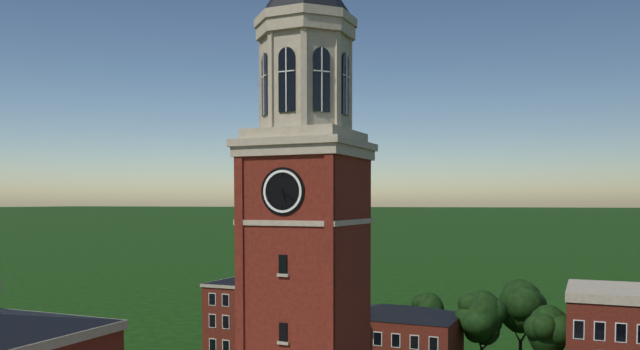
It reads 5h20
